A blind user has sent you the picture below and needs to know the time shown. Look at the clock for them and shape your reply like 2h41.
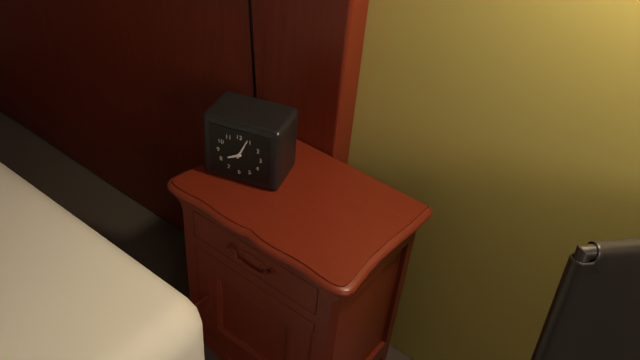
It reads 8h04
